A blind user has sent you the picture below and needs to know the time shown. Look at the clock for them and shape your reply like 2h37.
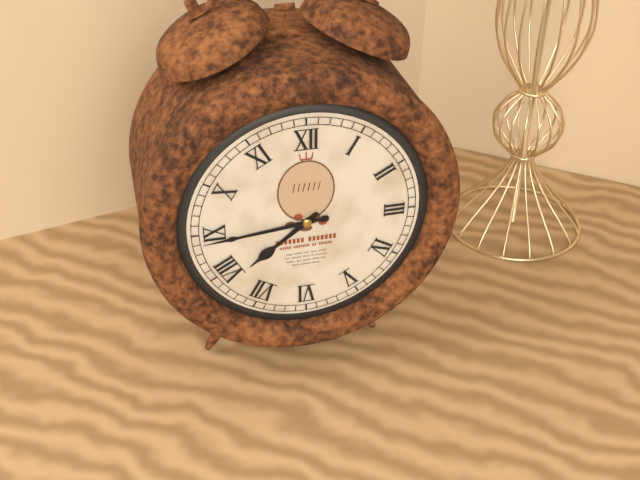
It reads 7h44
